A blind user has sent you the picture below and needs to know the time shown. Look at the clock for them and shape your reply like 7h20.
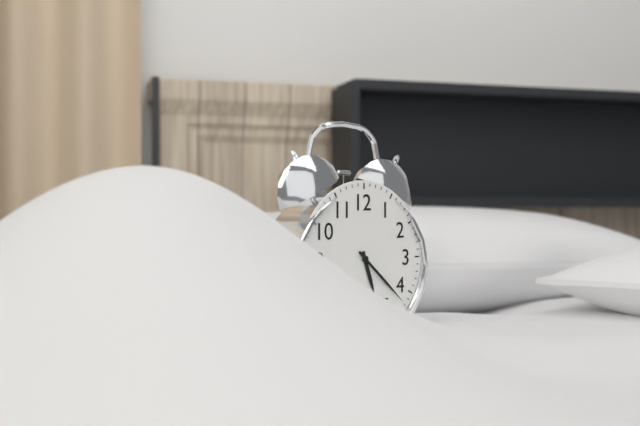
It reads 5h22
